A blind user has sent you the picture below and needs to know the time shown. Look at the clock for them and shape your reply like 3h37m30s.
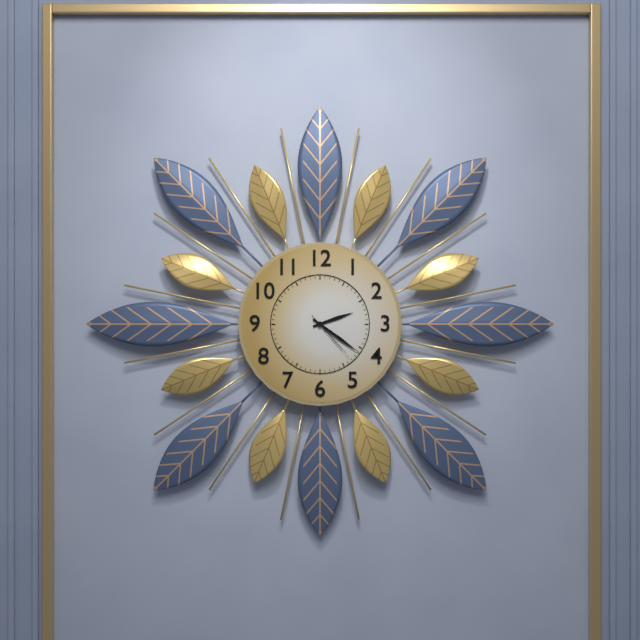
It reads 2h21m23s
